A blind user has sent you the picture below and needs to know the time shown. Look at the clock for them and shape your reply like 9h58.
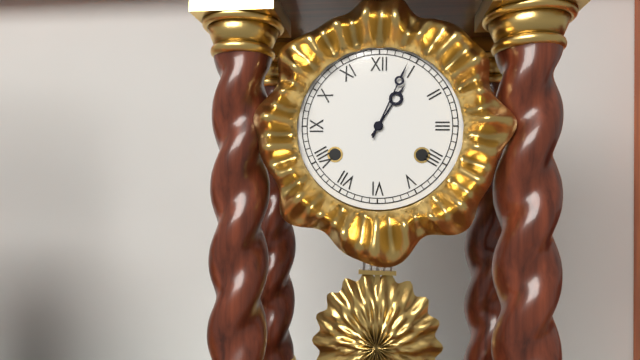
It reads 1h04
